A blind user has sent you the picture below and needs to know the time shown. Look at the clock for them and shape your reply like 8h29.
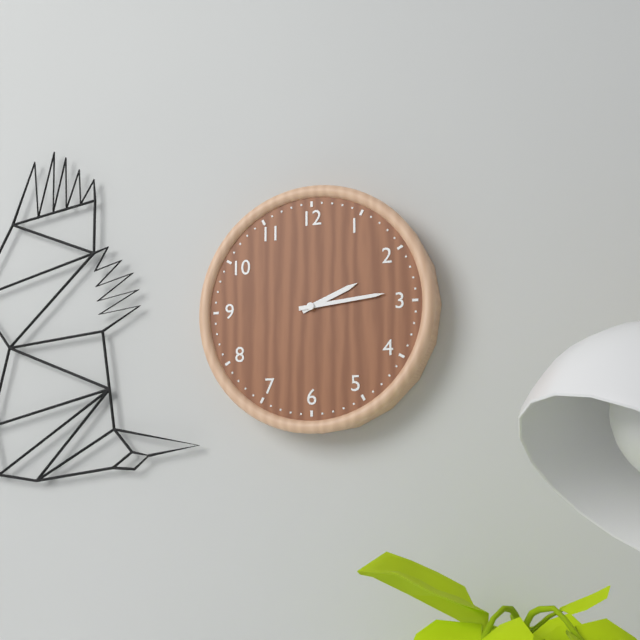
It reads 2h14
